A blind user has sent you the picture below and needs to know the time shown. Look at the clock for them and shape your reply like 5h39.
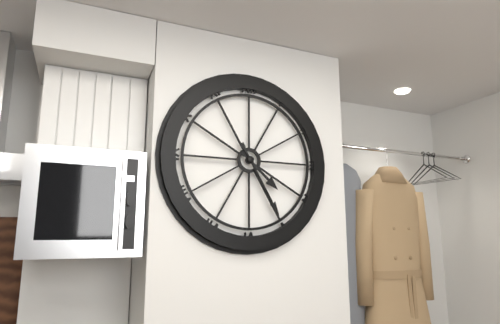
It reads 4h25
